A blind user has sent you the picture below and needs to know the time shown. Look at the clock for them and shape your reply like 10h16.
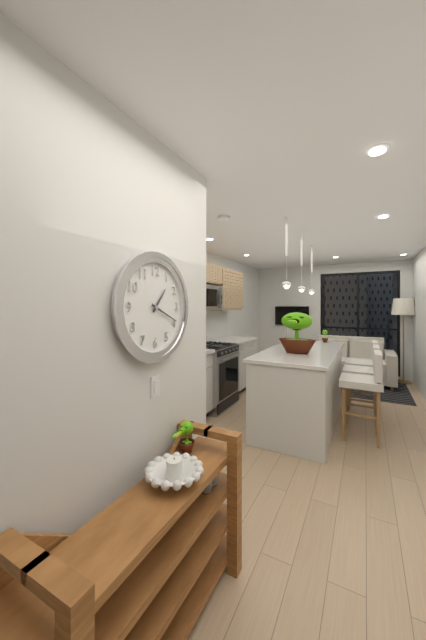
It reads 1h19
